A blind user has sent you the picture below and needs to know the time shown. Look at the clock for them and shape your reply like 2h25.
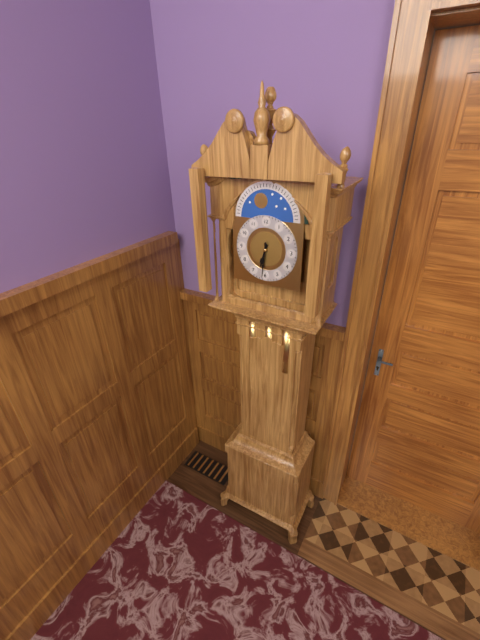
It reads 6h31
